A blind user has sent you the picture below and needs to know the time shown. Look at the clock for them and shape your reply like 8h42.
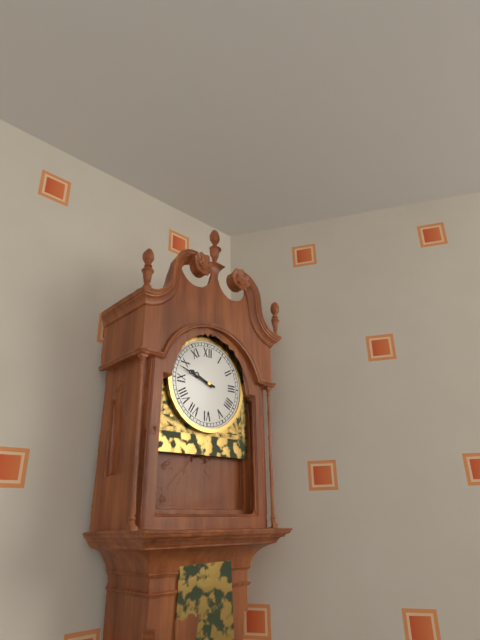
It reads 9h48
